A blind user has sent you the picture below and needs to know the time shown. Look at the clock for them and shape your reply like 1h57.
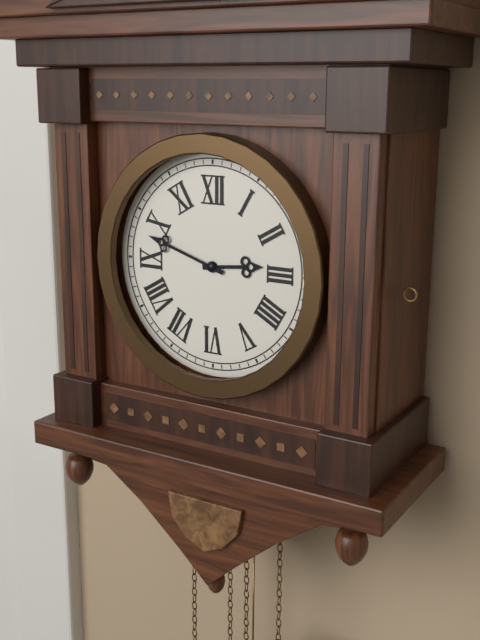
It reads 2h48
